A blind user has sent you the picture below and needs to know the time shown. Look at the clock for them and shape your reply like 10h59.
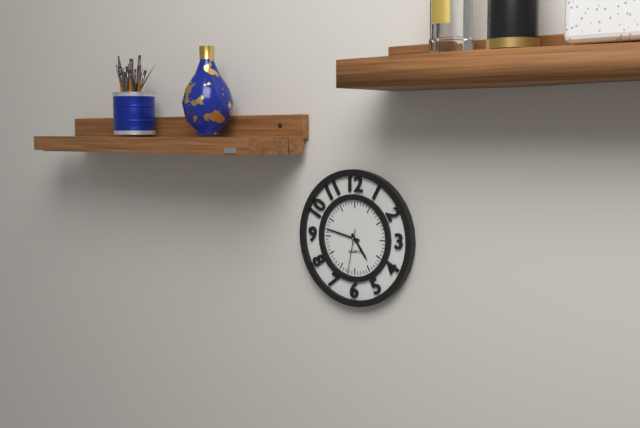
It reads 4h47
